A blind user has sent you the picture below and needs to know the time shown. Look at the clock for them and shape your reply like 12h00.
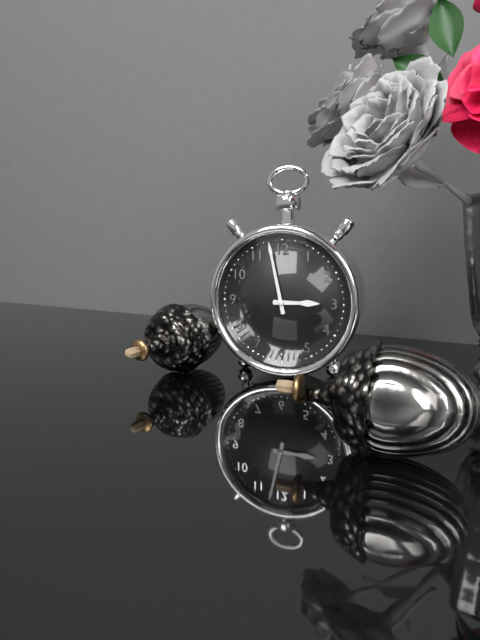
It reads 2h58
